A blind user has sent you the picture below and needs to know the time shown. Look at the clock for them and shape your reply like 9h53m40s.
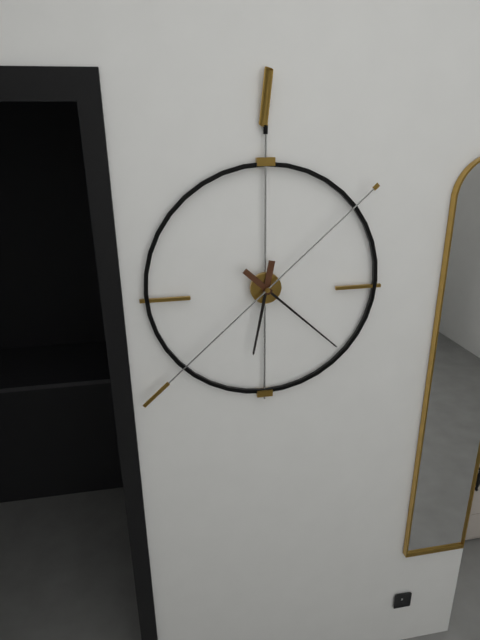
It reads 6h22m38s
